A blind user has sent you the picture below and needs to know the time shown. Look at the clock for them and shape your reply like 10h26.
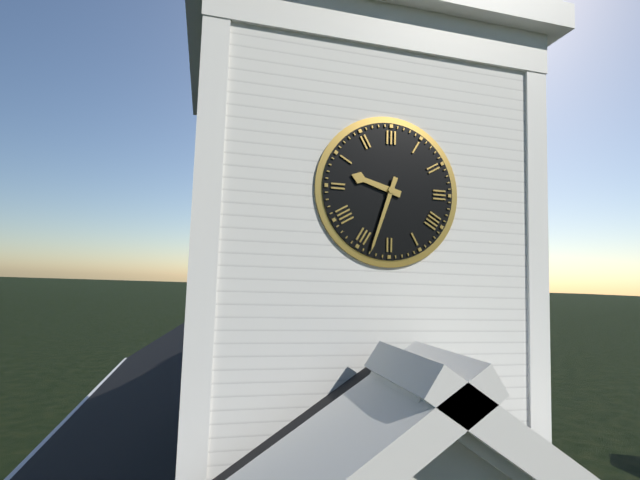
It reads 9h33
